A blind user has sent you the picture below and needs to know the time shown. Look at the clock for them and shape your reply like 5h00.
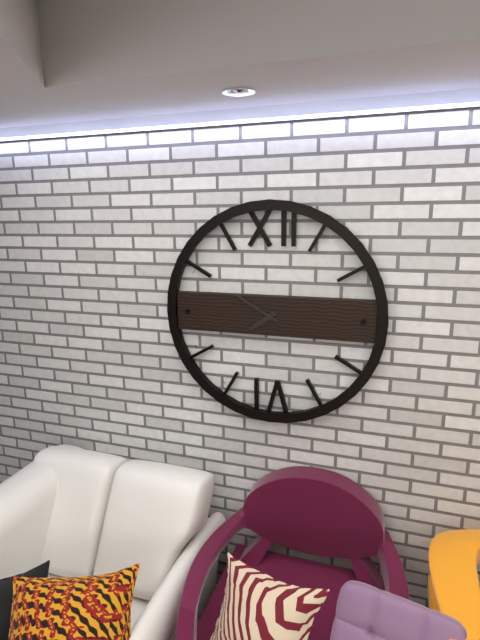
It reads 7h50
